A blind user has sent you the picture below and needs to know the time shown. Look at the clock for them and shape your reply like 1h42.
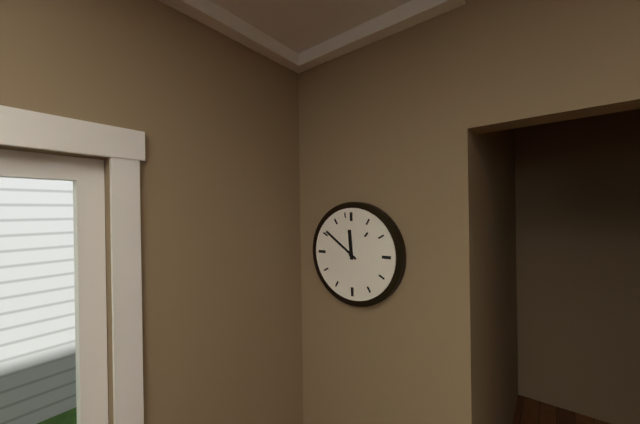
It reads 11h51
